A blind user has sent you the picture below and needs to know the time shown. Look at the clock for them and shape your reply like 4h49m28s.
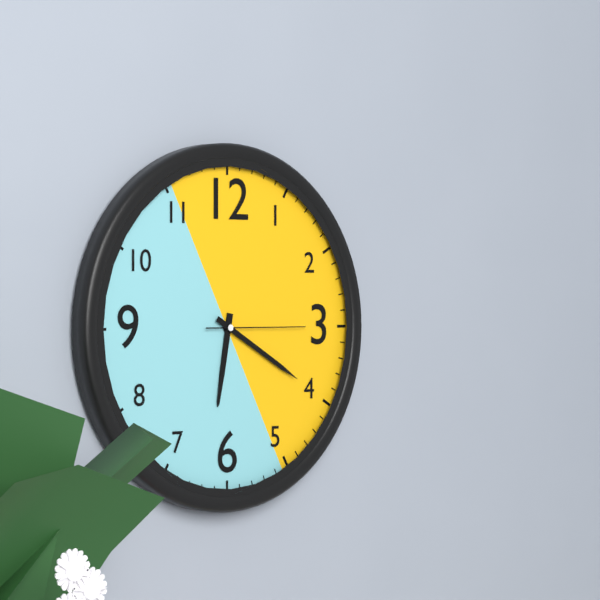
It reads 6h20m15s
